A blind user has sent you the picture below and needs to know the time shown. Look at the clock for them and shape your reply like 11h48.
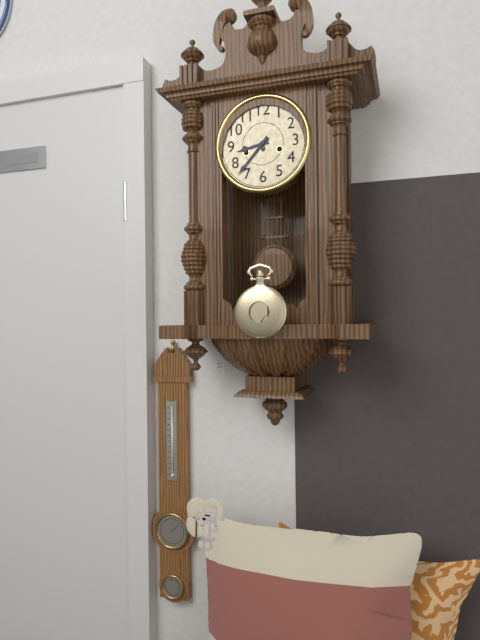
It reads 8h37
